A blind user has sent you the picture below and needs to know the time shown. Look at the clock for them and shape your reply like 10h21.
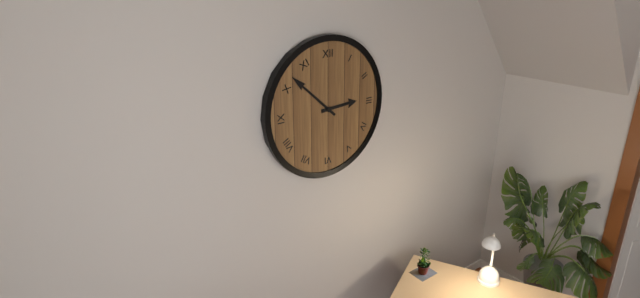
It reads 2h52
